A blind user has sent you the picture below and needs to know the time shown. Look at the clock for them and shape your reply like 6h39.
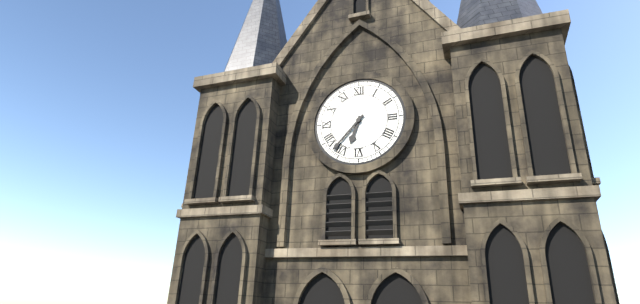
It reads 6h37
